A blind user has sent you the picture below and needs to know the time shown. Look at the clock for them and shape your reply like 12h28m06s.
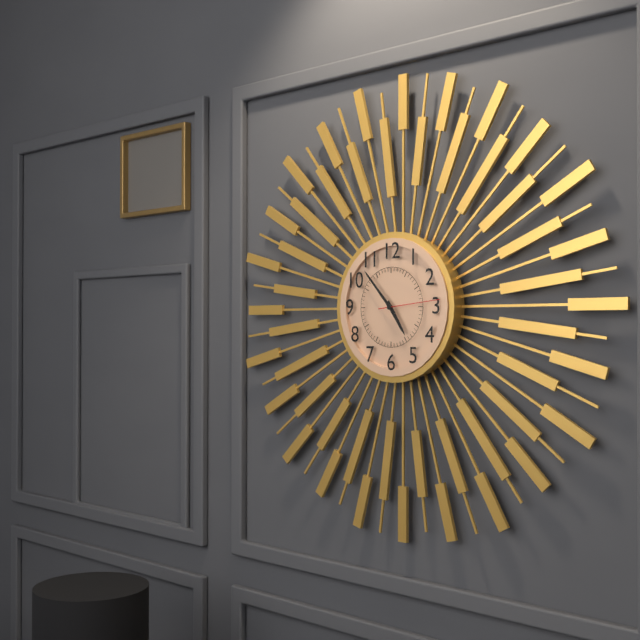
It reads 4h53m14s
